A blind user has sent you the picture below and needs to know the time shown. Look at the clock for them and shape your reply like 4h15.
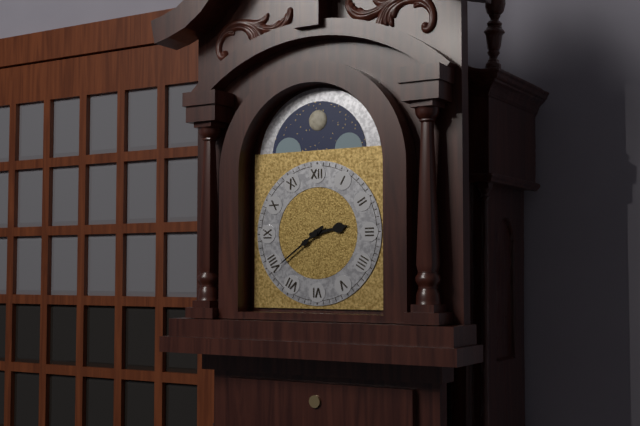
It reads 2h39
